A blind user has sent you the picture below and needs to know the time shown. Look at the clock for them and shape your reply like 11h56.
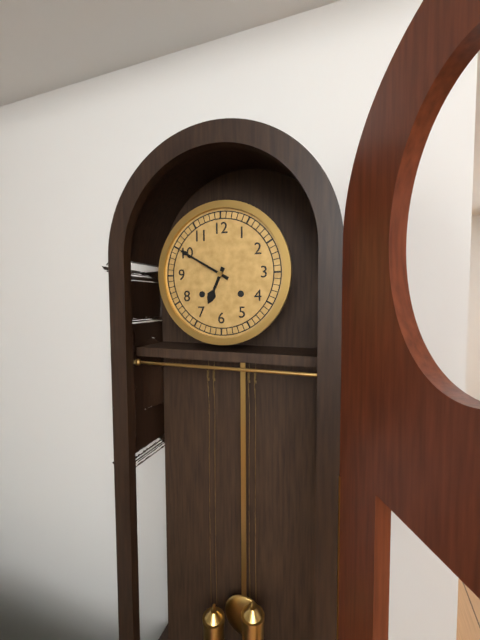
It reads 6h50
